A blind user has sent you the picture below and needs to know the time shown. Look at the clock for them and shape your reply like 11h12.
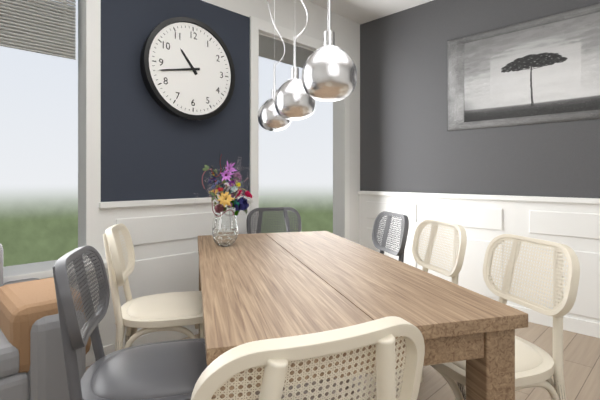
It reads 10h43
